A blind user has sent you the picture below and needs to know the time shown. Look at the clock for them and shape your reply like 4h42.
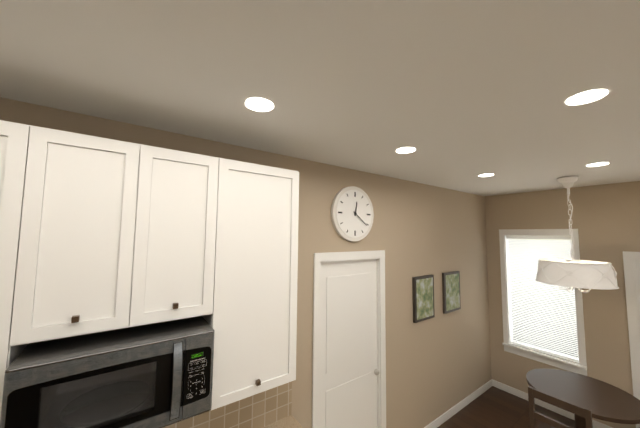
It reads 12h21
